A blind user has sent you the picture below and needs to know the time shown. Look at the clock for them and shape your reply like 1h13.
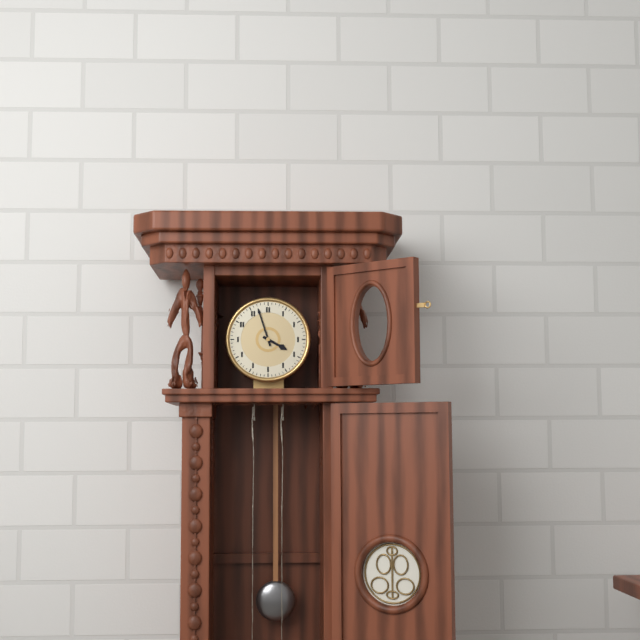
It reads 3h57
